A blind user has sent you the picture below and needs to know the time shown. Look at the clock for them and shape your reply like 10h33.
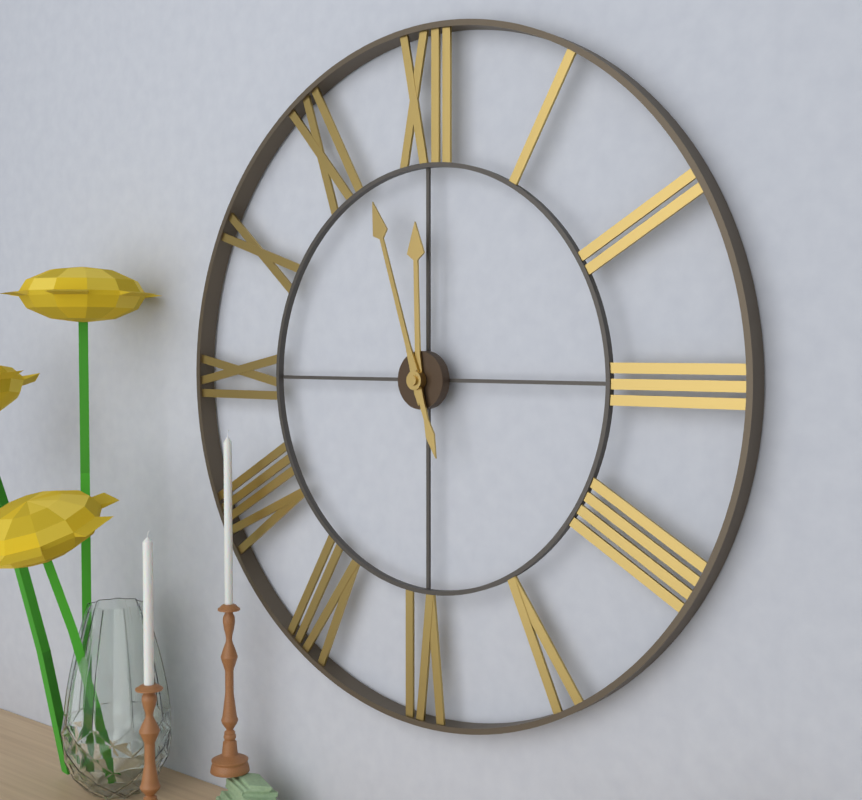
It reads 11h57
